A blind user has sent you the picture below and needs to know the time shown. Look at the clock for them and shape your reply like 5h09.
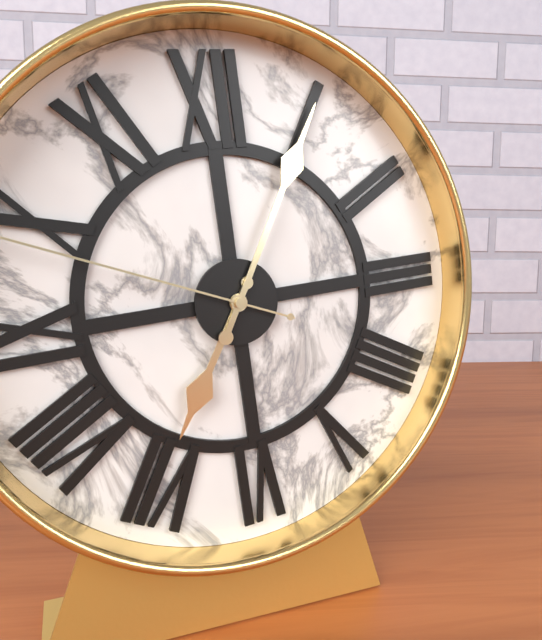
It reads 7h05
